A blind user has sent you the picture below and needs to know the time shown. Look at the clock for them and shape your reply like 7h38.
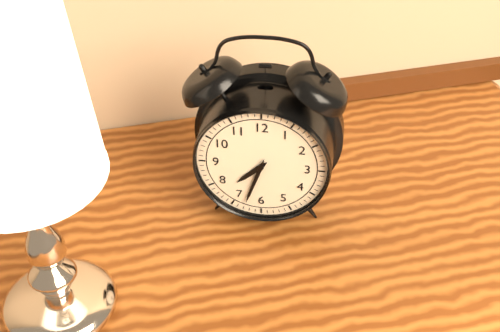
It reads 7h33
